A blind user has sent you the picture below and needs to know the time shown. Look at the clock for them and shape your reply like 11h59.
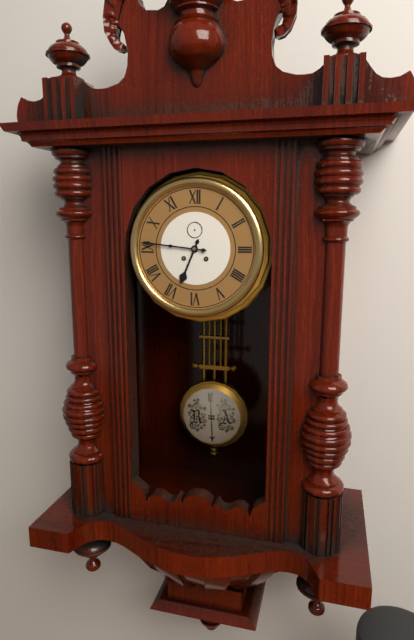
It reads 6h46
